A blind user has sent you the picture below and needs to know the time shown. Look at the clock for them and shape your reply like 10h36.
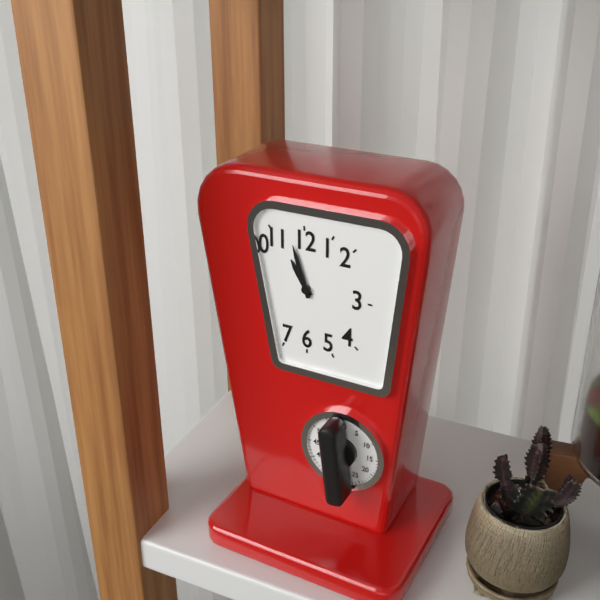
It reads 10h57
